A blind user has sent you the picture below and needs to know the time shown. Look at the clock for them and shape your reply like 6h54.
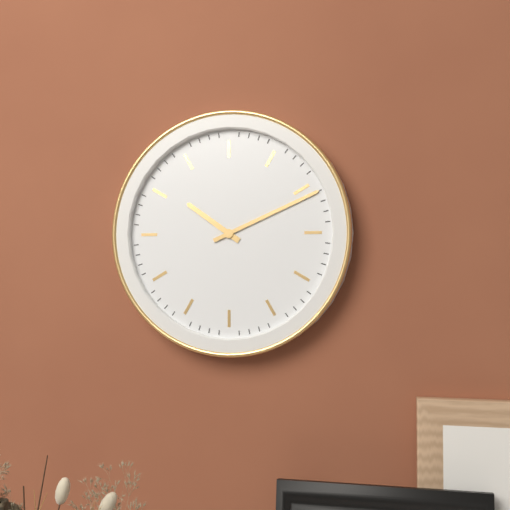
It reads 10h11
